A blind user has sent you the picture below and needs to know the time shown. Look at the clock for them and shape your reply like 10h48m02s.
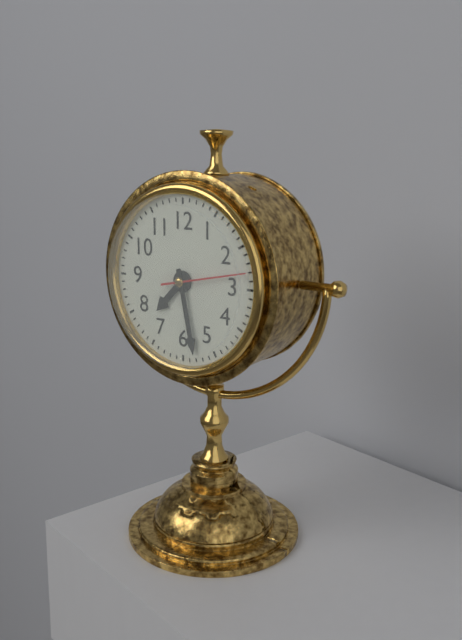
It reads 7h28m13s
